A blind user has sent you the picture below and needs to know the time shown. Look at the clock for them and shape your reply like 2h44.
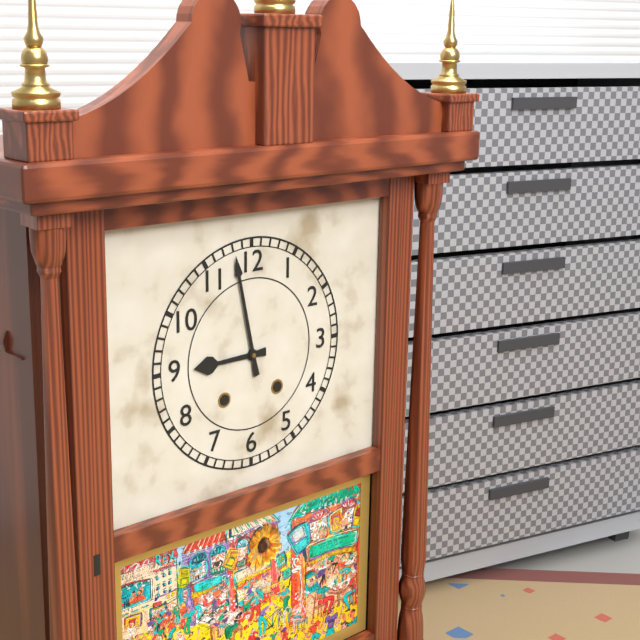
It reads 8h58
